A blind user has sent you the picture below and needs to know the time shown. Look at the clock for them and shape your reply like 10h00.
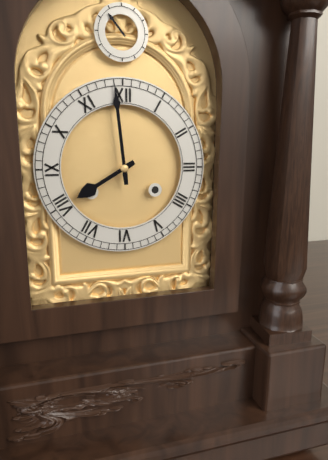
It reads 7h59
